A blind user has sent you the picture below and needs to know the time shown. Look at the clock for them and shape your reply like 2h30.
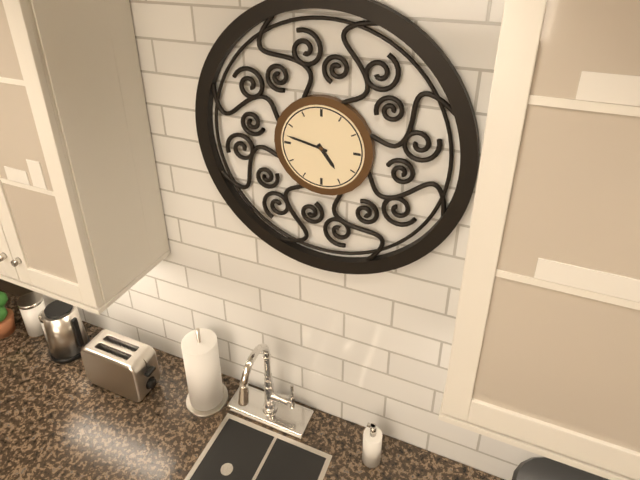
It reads 4h47
